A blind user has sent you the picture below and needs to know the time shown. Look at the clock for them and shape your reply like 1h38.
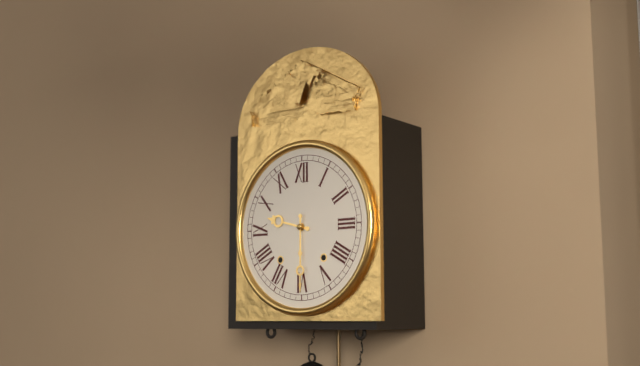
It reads 9h30
